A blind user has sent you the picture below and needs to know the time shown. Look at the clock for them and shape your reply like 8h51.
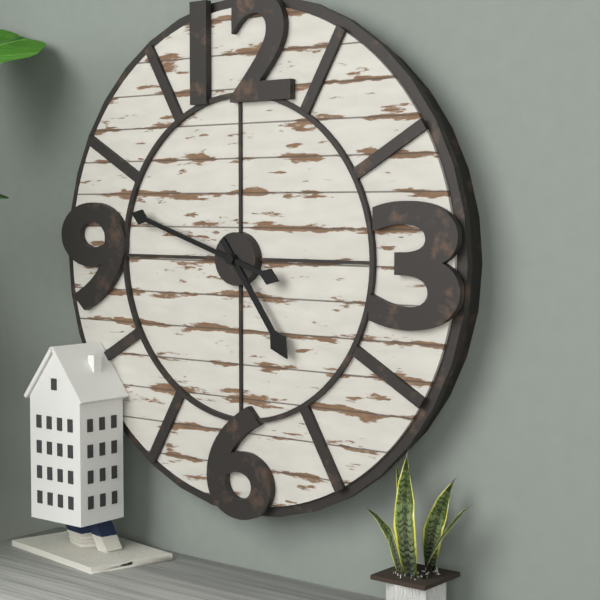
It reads 4h48
